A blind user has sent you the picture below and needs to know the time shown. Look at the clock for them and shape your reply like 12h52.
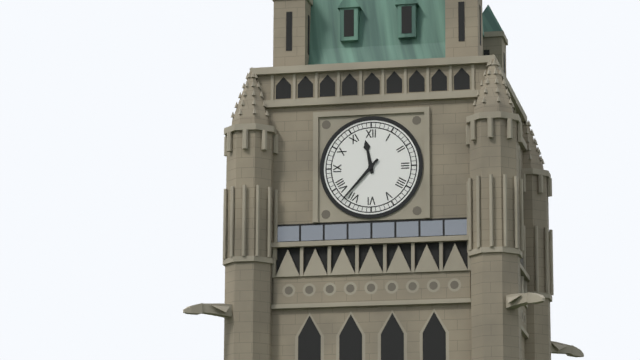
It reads 11h37
